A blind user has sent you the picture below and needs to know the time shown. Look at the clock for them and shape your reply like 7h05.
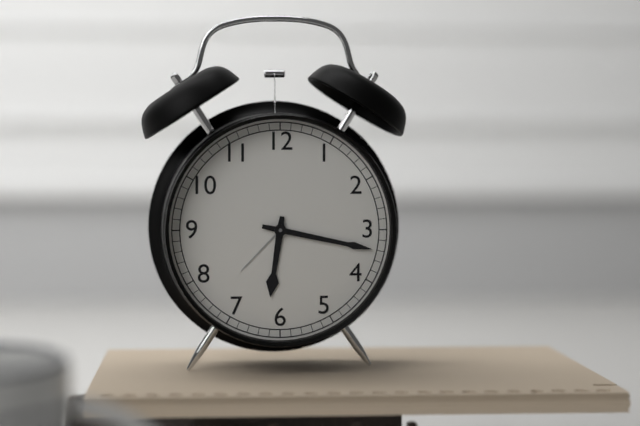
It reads 6h17
